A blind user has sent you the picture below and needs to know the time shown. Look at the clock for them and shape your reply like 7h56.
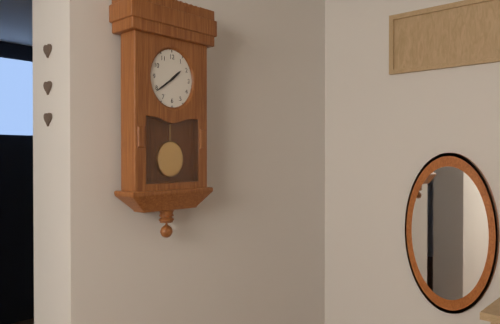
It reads 1h39
